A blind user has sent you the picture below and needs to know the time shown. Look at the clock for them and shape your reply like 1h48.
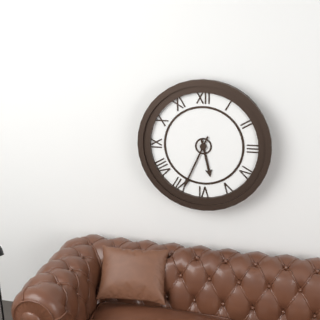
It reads 5h34
